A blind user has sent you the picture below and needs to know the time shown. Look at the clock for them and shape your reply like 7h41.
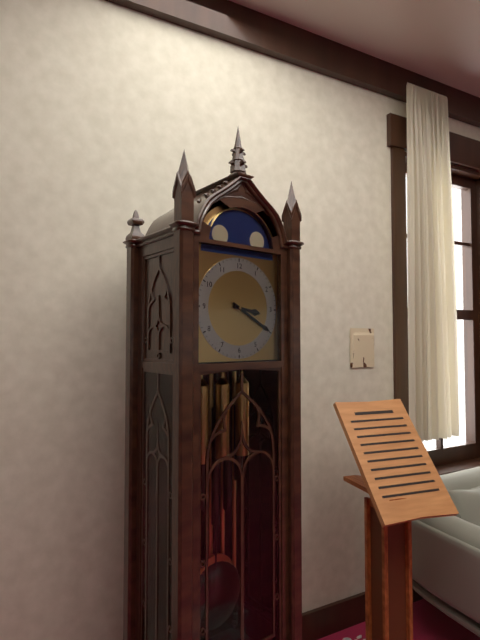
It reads 3h20
